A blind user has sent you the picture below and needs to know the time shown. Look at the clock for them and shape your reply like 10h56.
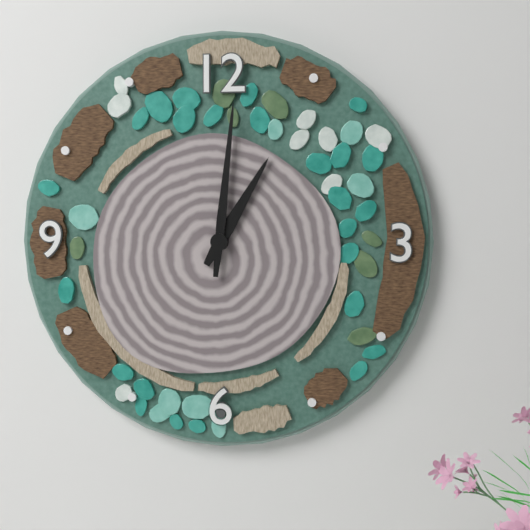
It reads 1h01
